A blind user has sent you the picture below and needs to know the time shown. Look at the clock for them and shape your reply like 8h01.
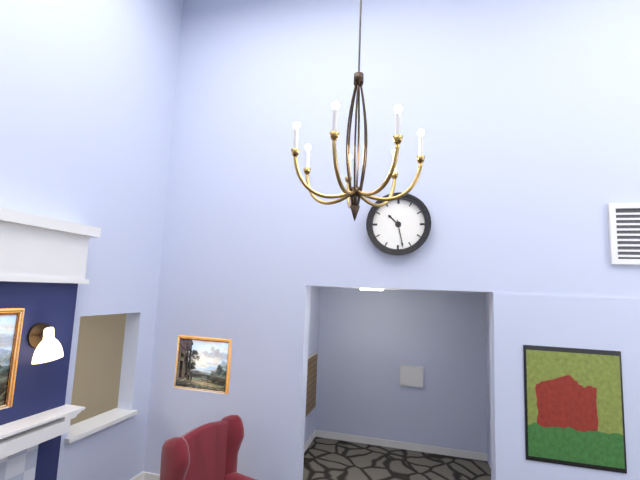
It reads 10h28
